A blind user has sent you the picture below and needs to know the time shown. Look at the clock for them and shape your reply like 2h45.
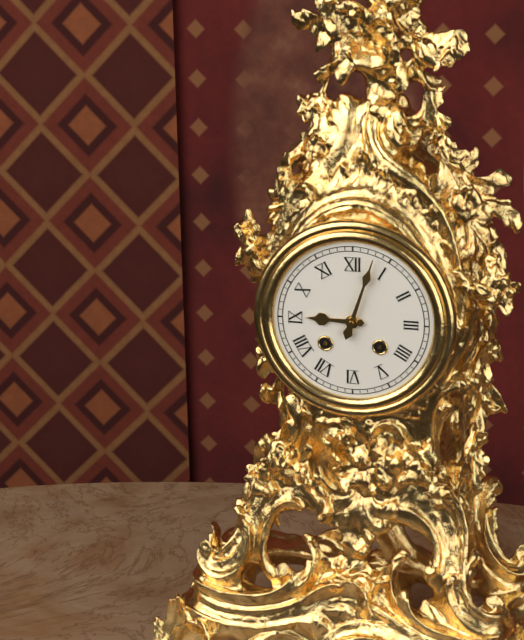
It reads 9h03
